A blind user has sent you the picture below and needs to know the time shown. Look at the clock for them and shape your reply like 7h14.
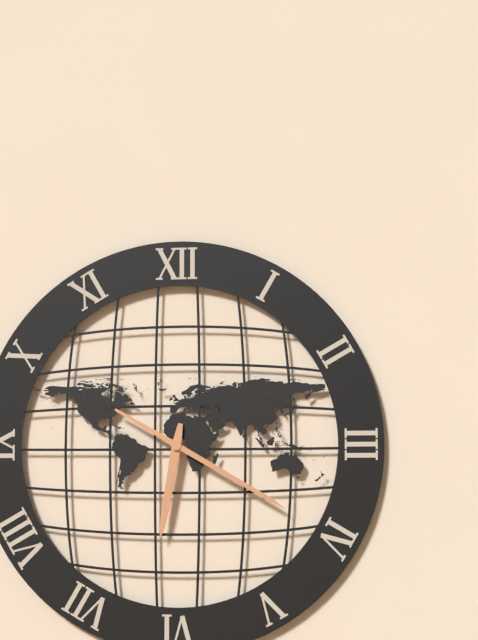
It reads 6h20
